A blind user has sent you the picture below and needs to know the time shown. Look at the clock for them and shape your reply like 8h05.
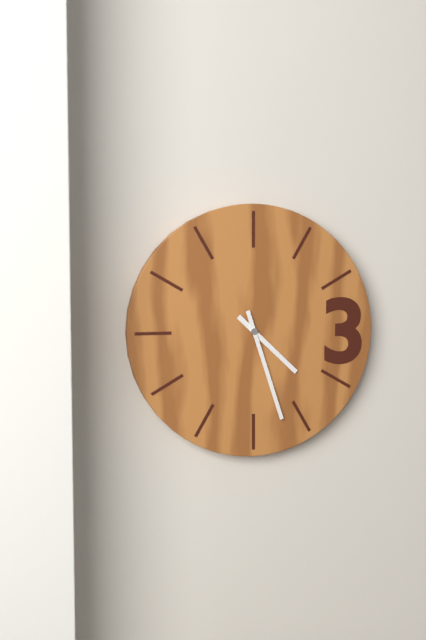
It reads 4h27
